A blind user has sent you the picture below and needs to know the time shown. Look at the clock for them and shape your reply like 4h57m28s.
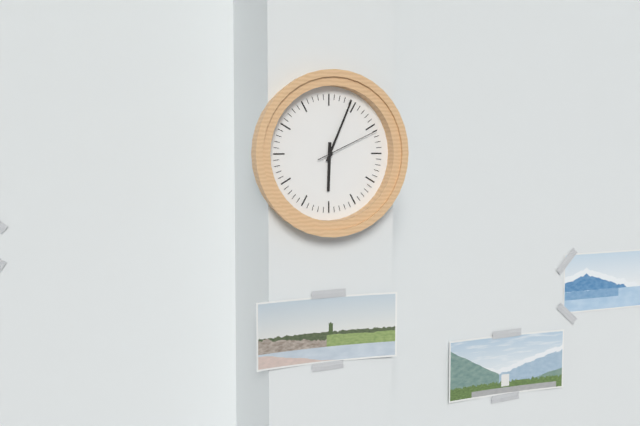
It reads 6h04m11s
